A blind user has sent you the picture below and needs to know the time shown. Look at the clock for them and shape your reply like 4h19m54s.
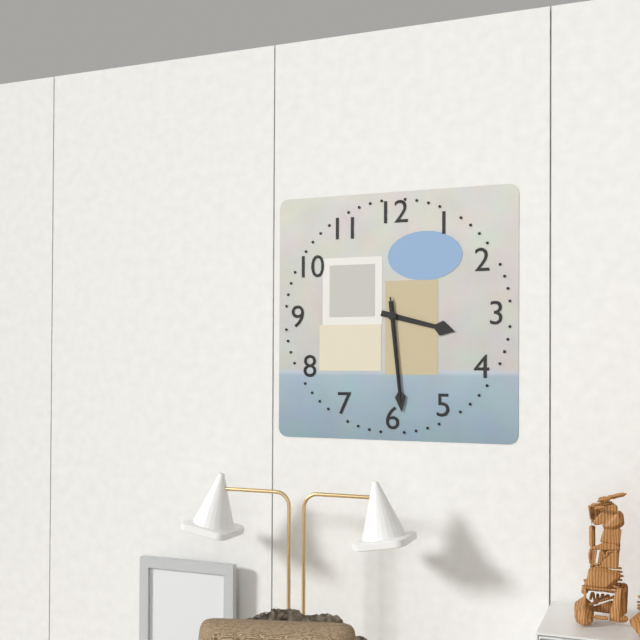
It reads 3h29m29s
